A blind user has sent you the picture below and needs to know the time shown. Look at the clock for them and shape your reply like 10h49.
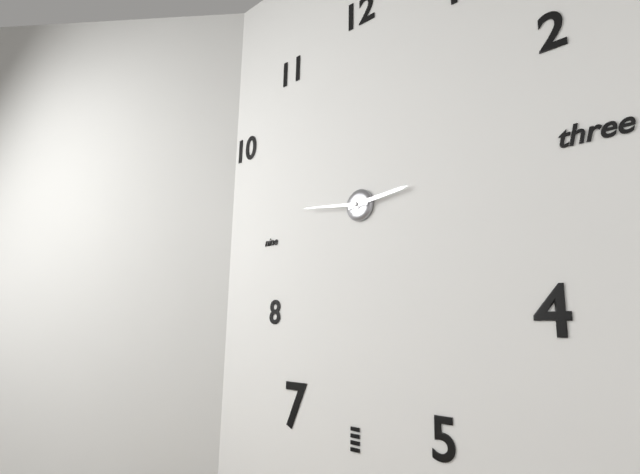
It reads 2h46
